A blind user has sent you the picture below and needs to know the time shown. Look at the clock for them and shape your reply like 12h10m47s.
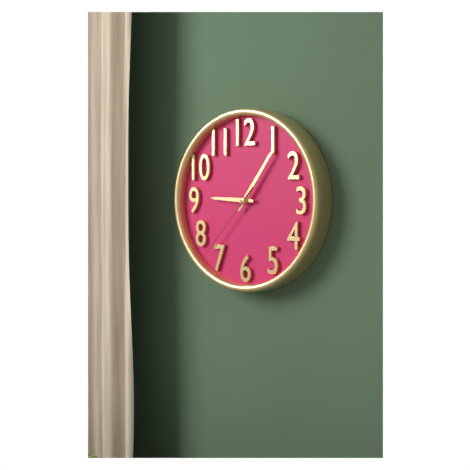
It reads 9h06m37s
